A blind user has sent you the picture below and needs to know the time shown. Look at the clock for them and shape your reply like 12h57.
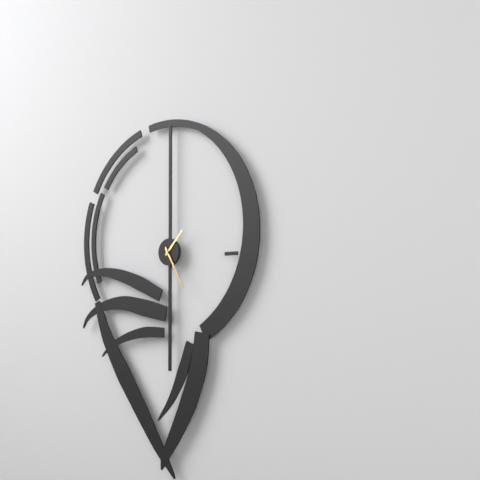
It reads 1h25
